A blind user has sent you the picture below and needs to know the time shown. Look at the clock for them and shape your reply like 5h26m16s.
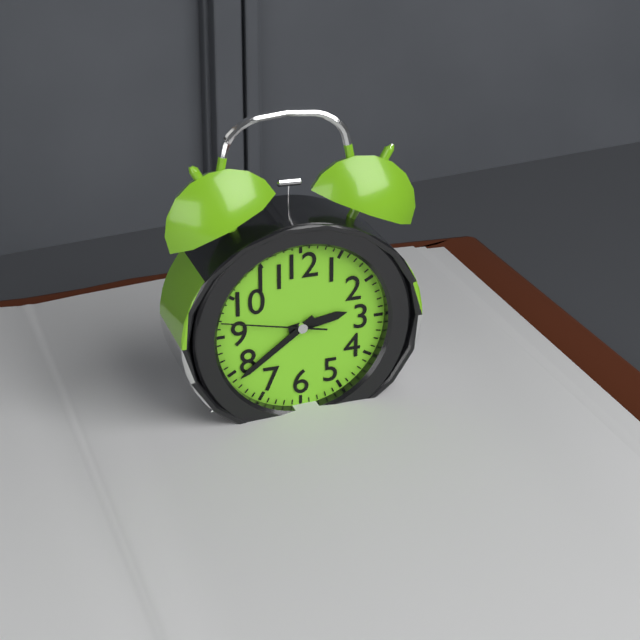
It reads 2h39m47s
